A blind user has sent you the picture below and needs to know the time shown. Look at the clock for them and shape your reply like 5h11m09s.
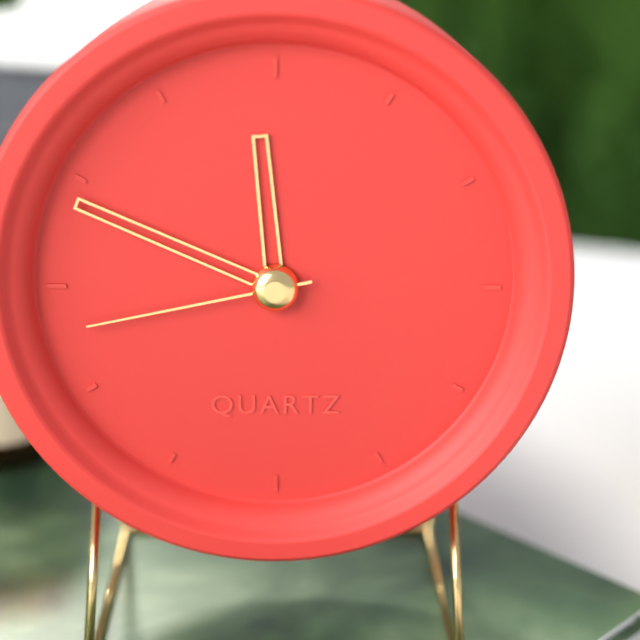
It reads 11h49m43s
